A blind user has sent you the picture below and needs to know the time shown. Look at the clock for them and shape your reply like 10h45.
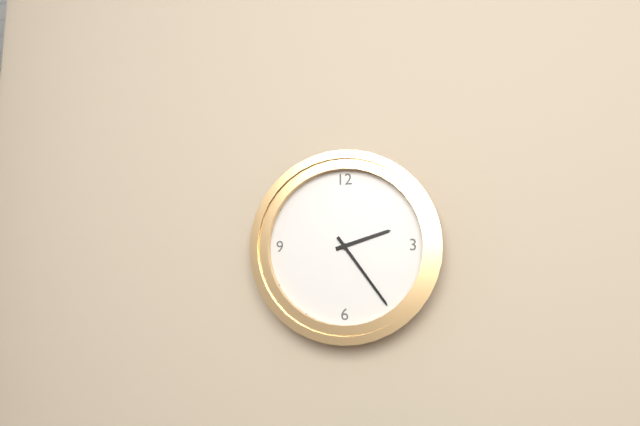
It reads 2h24
